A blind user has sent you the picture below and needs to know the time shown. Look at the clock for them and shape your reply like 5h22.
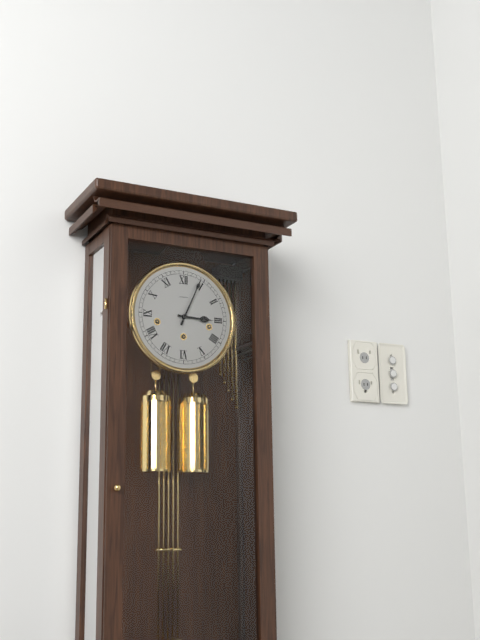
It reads 3h04
